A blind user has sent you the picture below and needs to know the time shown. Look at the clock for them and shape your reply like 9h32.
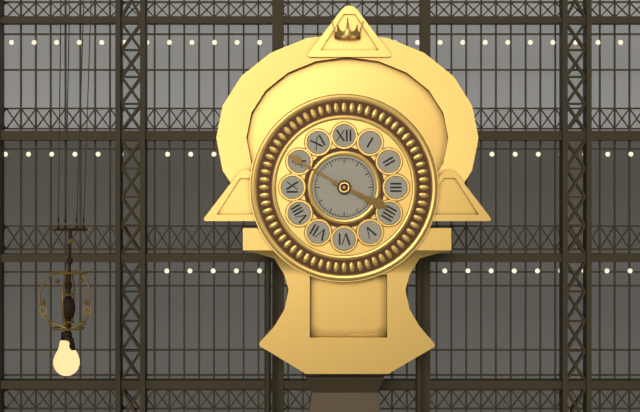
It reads 3h50
